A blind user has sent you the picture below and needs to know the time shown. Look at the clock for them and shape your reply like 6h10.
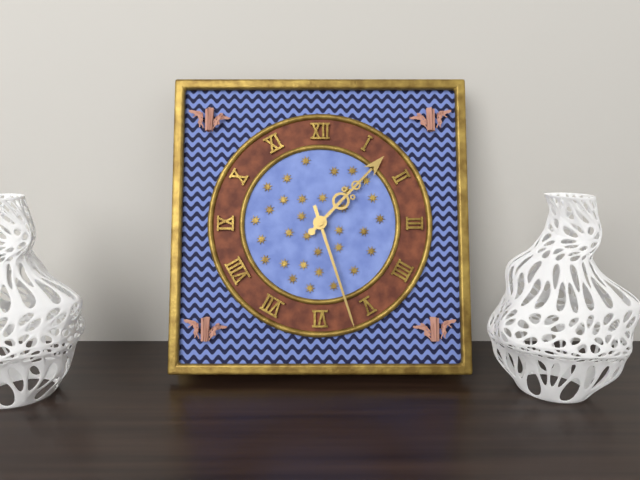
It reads 1h27
